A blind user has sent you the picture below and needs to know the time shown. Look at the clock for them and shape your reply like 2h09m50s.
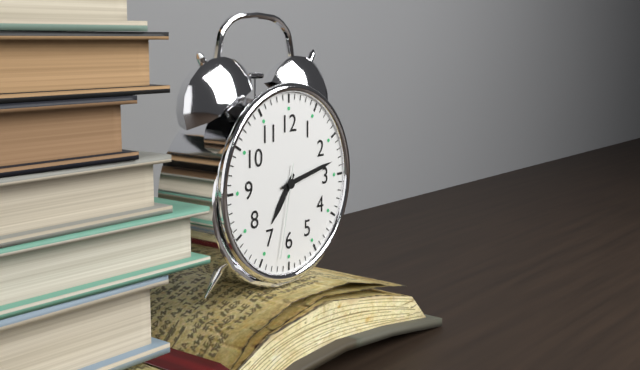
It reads 7h13m32s
